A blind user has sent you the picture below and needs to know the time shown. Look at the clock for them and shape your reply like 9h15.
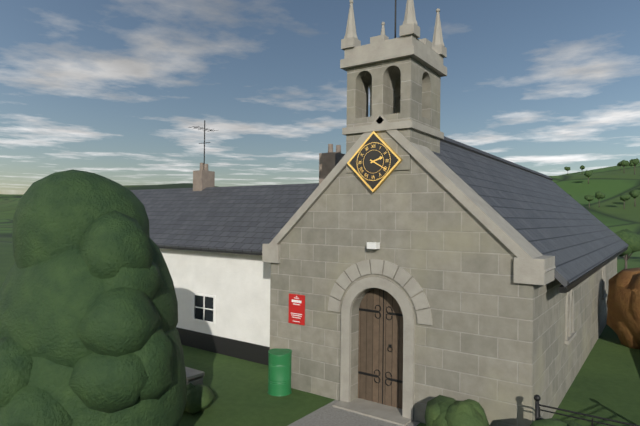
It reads 2h20
